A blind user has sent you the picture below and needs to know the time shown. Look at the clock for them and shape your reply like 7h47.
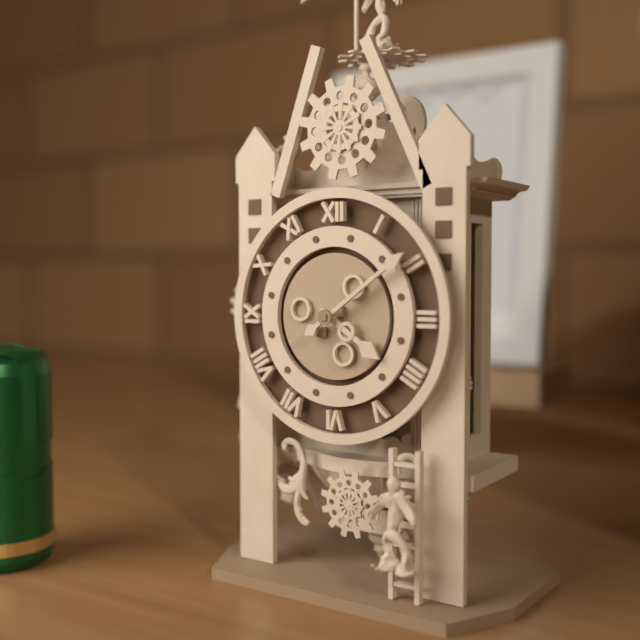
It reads 4h09
